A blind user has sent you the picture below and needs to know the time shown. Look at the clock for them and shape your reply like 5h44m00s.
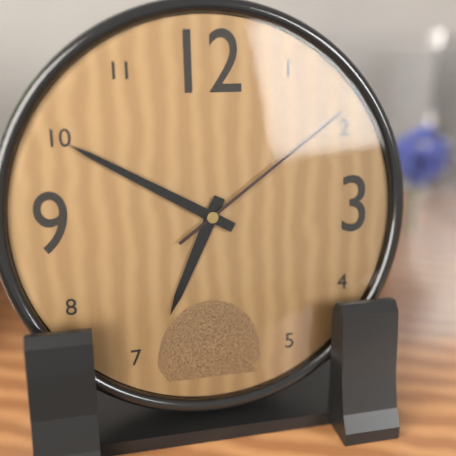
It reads 6h50m09s
